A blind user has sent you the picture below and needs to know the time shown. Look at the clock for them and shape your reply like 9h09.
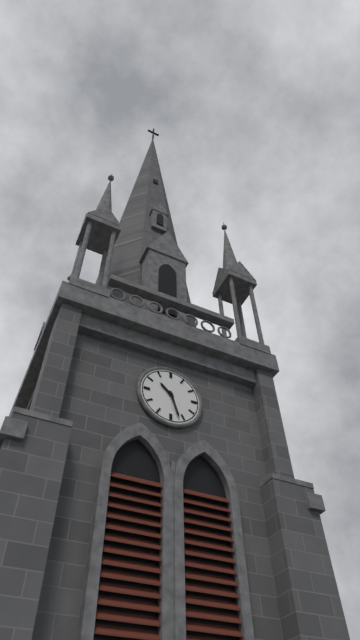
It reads 10h27
